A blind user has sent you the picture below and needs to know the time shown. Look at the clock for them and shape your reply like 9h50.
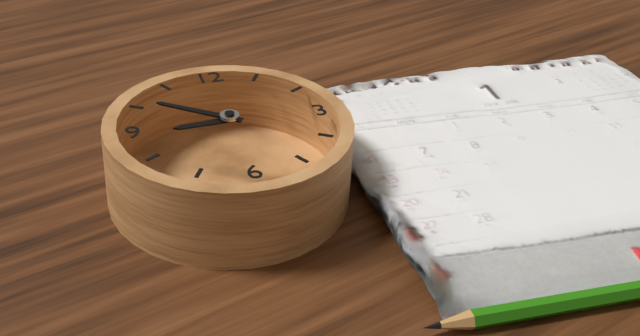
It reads 8h51
